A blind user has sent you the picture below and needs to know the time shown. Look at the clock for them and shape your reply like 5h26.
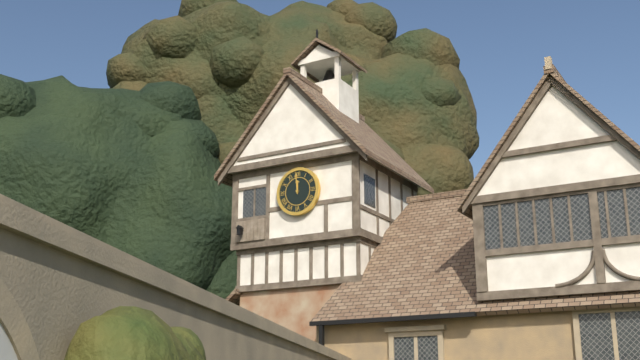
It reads 11h59
